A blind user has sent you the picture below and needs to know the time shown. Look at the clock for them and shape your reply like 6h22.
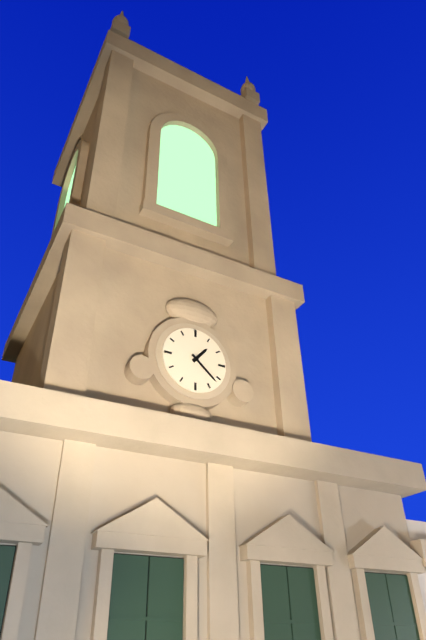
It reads 1h22
